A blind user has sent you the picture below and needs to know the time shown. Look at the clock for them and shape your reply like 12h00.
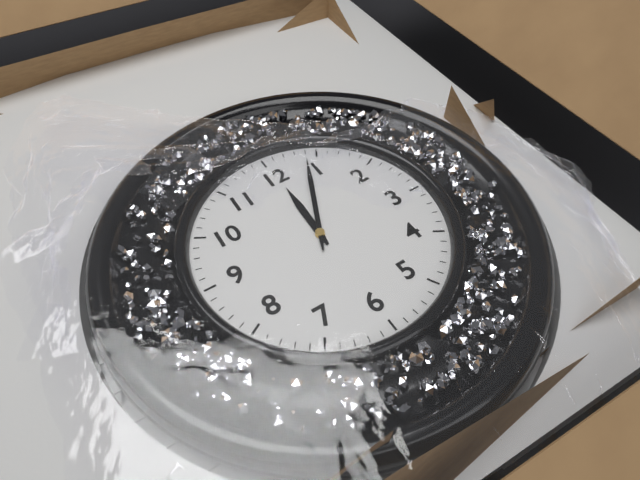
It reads 12h04
